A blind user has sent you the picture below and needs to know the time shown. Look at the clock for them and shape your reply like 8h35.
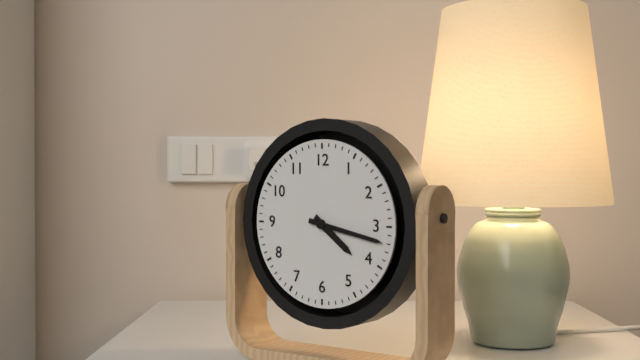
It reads 4h17
